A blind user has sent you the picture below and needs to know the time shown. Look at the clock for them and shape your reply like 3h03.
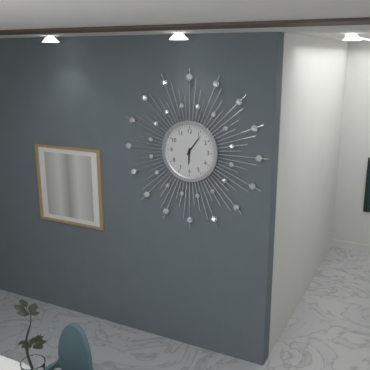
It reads 6h06
